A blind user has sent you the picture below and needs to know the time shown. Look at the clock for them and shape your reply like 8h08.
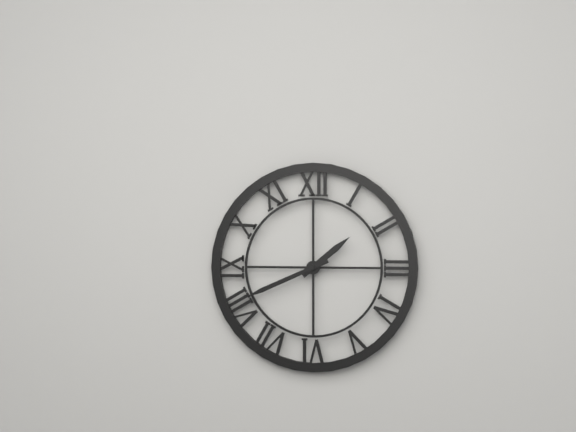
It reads 1h41
